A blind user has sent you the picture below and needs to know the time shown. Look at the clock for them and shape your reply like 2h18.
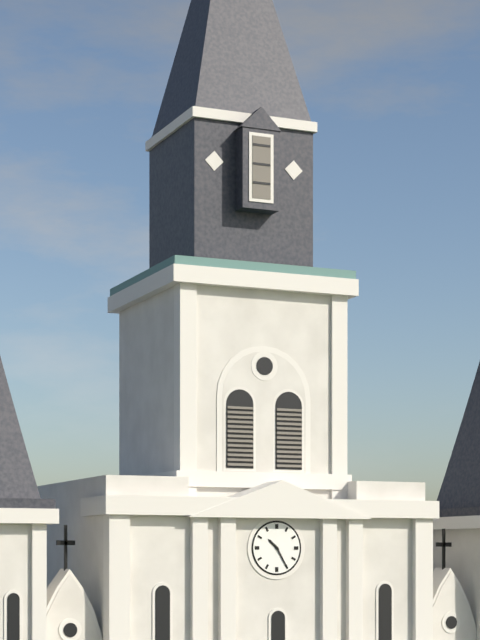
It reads 10h25
